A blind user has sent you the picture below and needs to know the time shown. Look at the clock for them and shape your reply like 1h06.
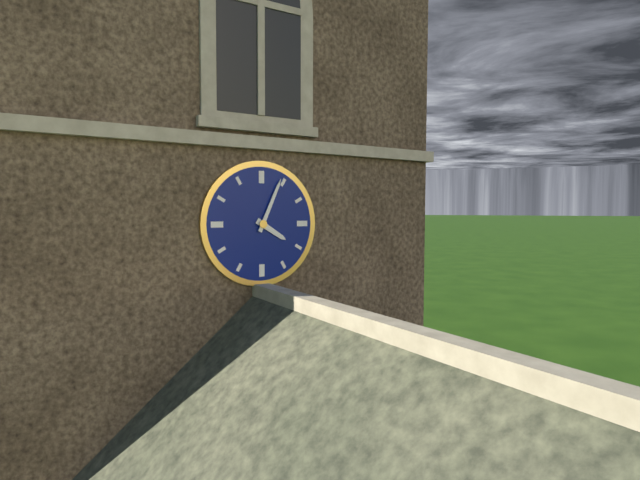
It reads 4h04
